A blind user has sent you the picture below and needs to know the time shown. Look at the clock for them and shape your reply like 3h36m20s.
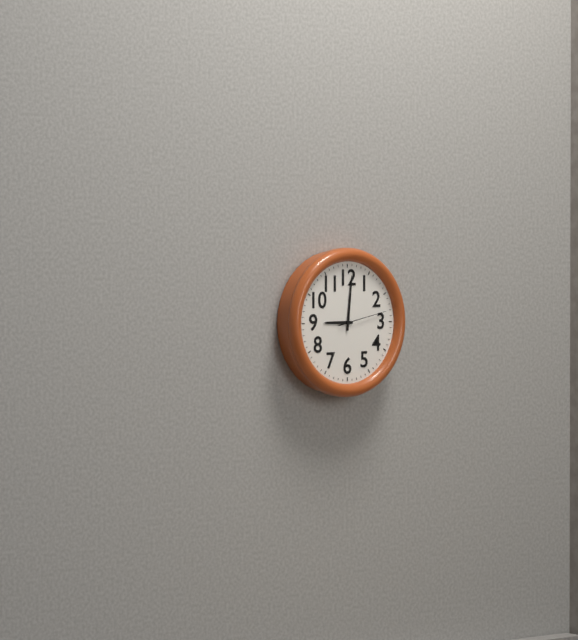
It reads 9h01m13s
